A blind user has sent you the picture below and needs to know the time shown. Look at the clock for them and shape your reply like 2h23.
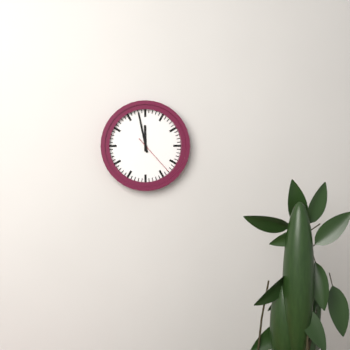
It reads 11h58
